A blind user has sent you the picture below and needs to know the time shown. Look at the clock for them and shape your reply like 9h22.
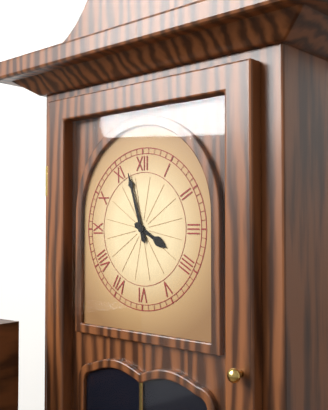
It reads 3h57
